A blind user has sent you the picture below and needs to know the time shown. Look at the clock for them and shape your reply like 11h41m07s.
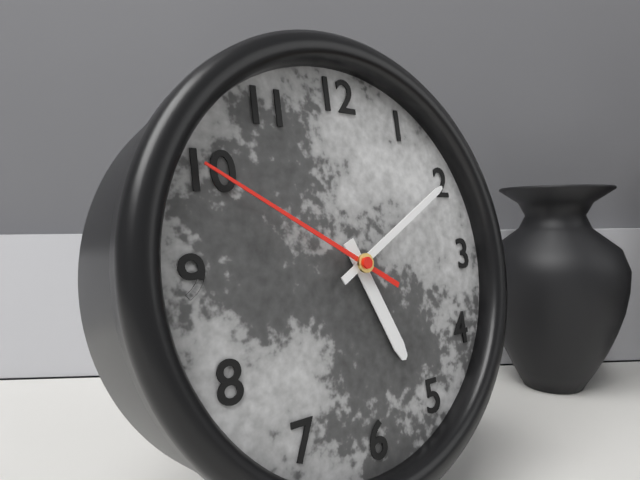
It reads 5h10m50s
